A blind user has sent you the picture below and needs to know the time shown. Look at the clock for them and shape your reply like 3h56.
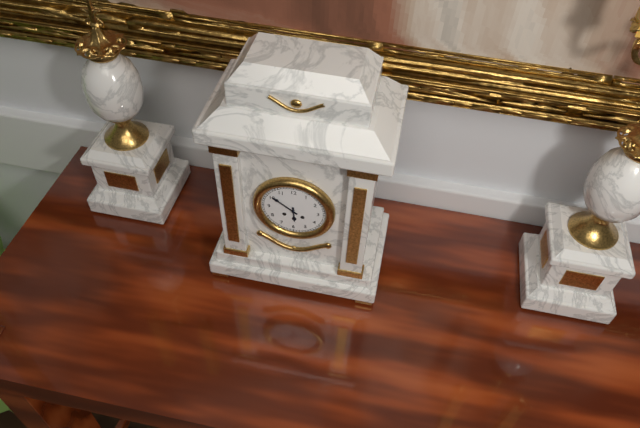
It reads 5h51
